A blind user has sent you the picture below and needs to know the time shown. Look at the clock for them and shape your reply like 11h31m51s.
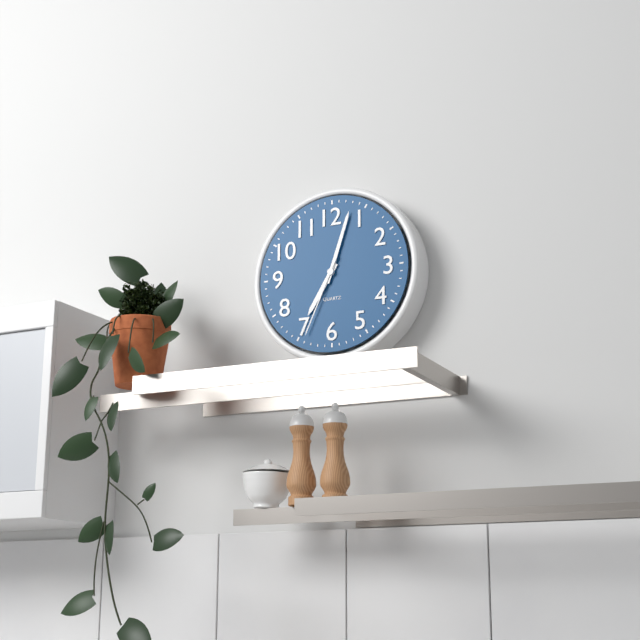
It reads 7h03m34s
